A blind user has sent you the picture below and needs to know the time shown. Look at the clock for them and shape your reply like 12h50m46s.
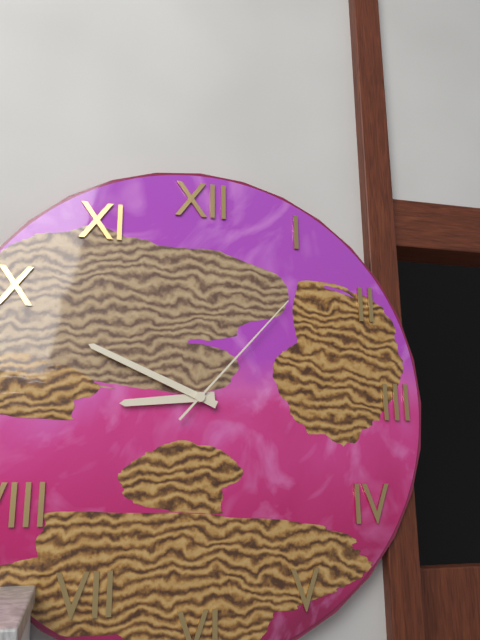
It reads 8h49m07s
